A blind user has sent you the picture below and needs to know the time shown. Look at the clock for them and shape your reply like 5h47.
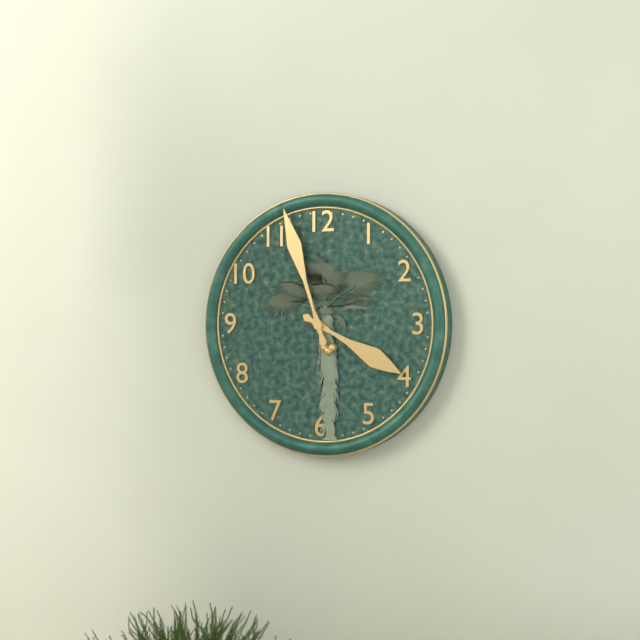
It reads 3h57
